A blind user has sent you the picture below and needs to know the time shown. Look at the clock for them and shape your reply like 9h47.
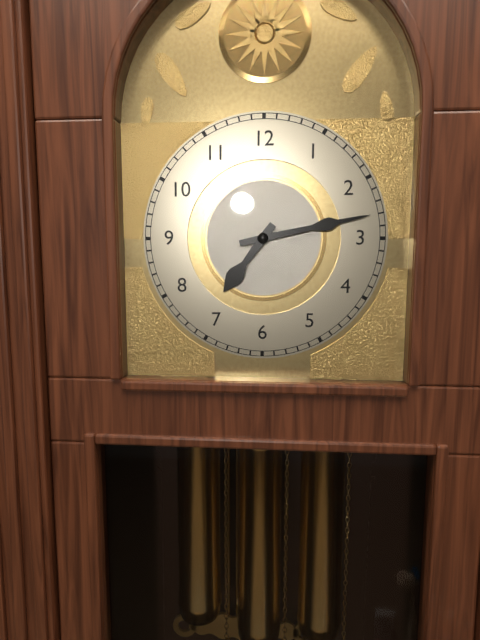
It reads 7h13
